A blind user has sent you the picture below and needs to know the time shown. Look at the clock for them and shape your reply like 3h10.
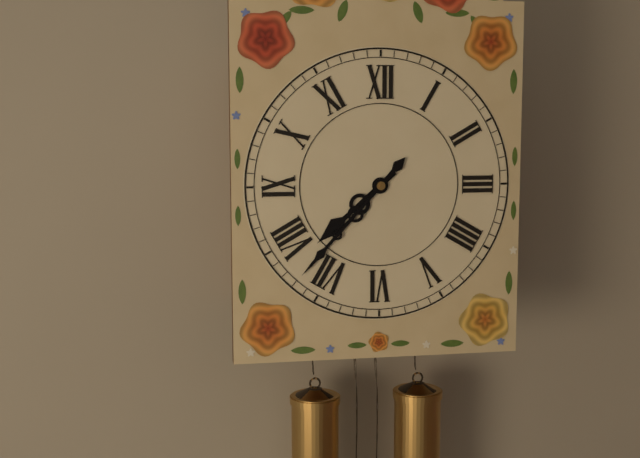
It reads 7h37
